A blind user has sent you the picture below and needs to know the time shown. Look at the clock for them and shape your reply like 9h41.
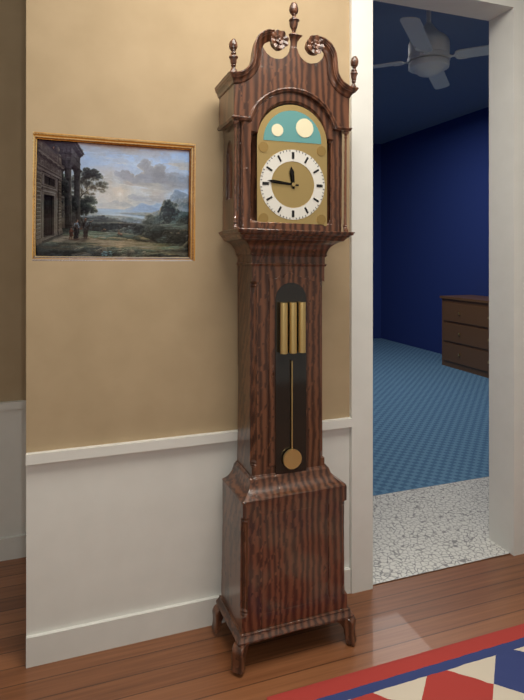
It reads 11h46
